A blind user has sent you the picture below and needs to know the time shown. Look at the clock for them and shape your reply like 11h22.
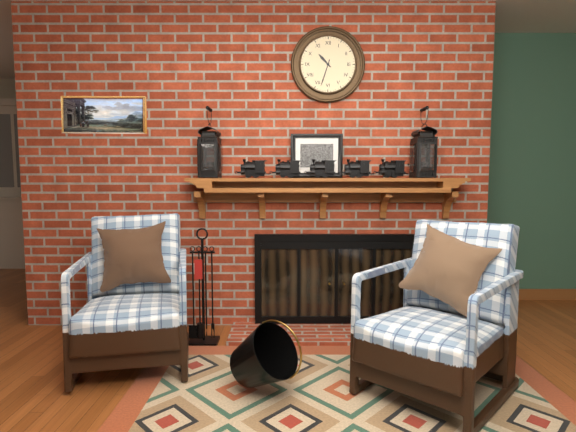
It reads 10h33
